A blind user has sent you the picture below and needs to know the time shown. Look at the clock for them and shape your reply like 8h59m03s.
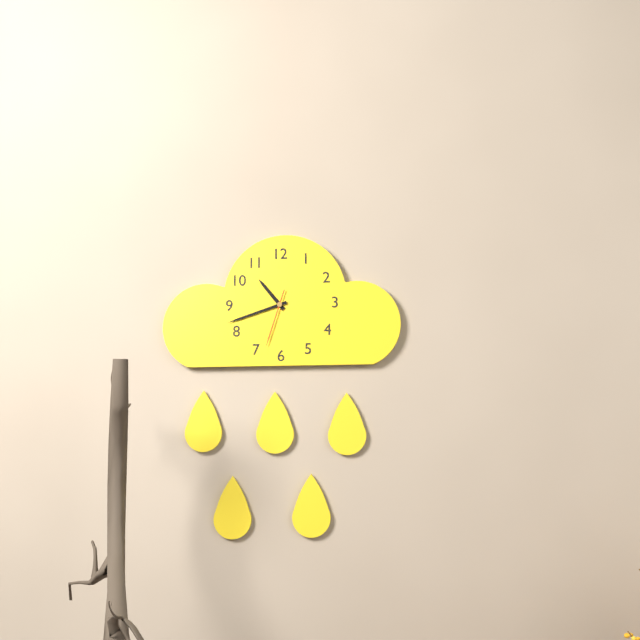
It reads 10h42m33s
